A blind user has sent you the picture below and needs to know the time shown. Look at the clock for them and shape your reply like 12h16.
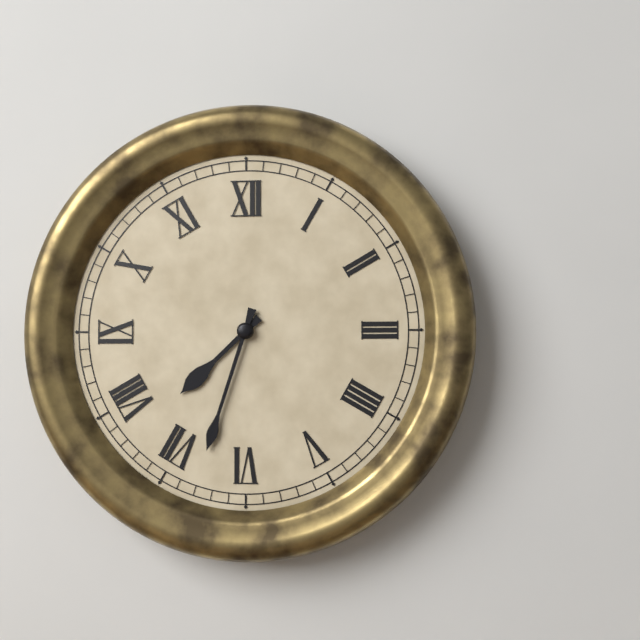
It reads 7h33
